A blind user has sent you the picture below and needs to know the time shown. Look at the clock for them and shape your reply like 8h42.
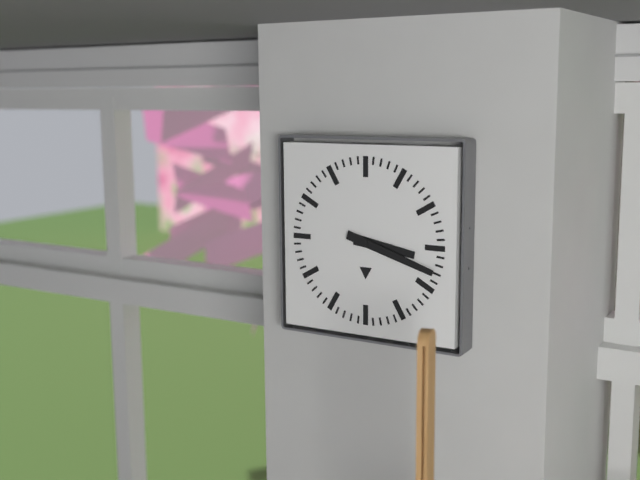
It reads 3h18
